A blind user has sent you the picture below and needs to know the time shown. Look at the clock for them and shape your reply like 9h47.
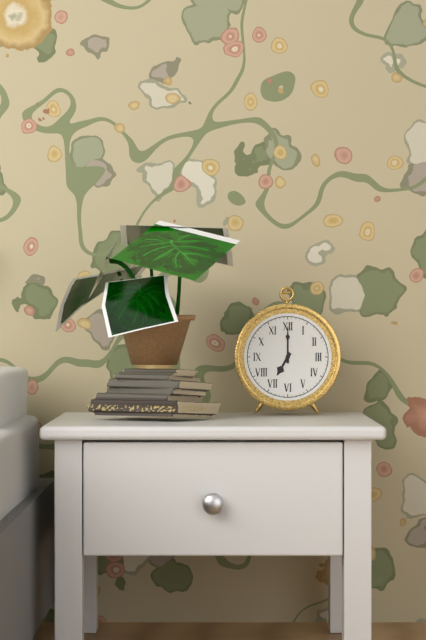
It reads 7h00
